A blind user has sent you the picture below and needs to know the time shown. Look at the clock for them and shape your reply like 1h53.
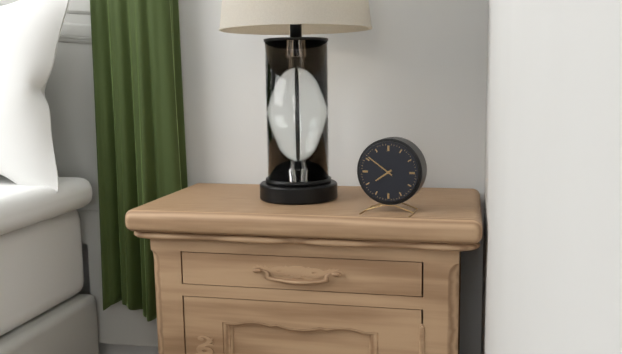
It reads 7h51
